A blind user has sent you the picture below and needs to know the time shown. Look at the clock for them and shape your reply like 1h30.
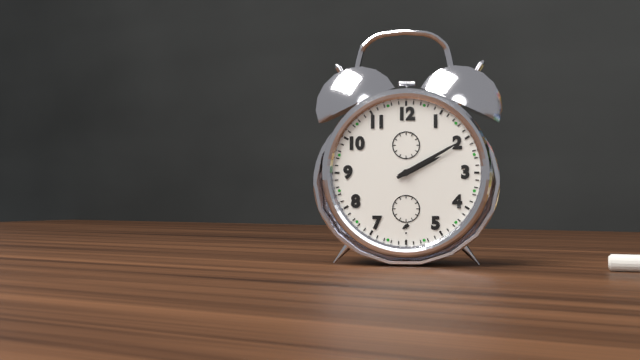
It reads 2h10
